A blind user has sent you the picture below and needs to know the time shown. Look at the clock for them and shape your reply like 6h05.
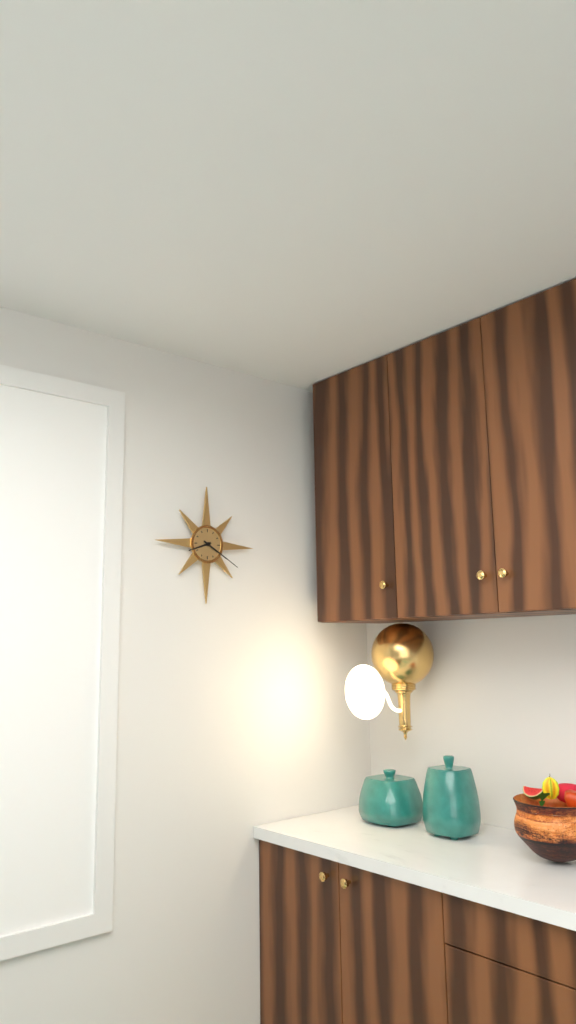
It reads 8h20
